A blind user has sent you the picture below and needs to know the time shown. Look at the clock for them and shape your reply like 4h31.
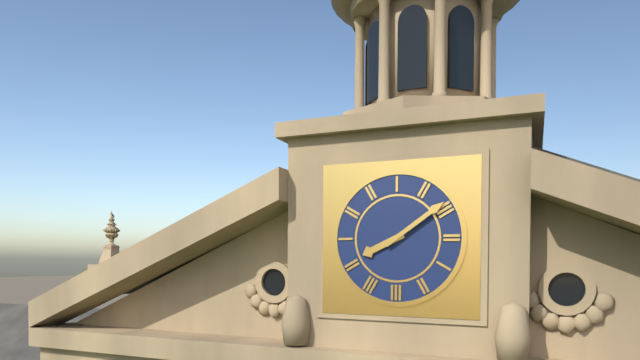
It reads 8h09
